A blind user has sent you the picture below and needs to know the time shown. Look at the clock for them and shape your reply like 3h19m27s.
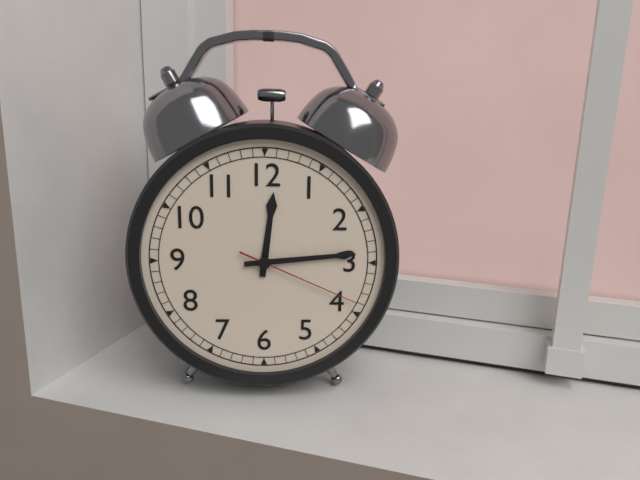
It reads 12h14m19s
